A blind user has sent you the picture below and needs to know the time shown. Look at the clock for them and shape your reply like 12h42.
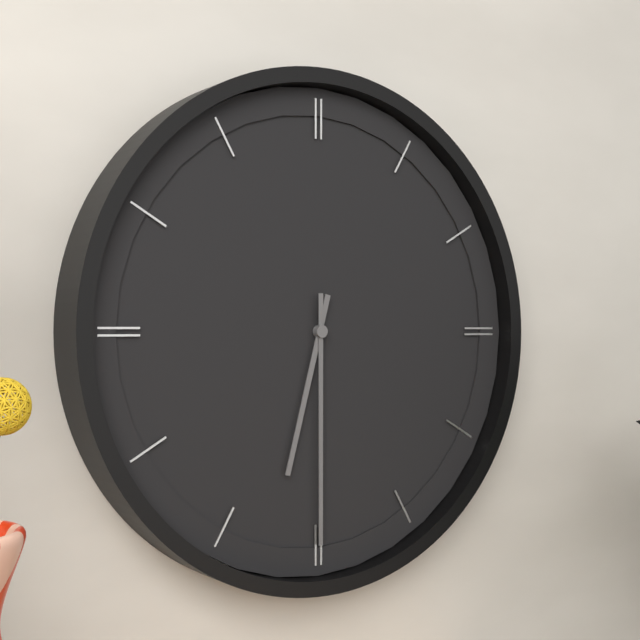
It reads 6h30
